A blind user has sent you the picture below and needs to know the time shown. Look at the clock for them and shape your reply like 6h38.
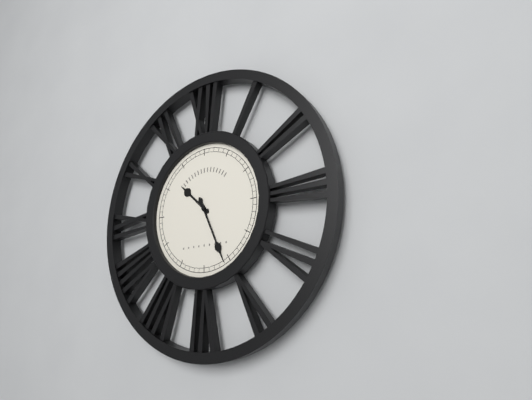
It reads 10h26
